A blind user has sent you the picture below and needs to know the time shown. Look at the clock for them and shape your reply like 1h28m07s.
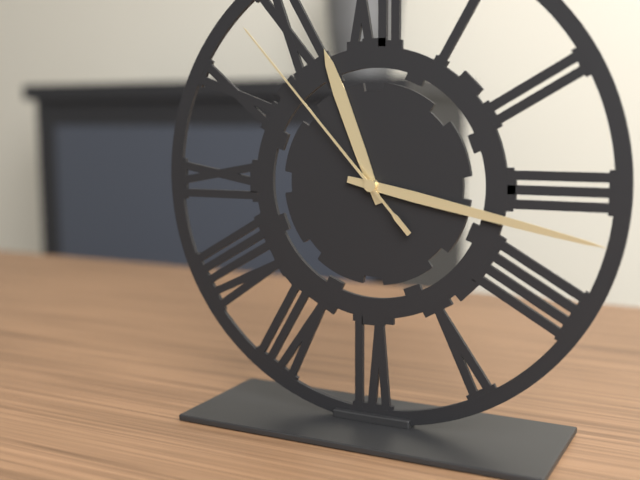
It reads 11h17m53s
